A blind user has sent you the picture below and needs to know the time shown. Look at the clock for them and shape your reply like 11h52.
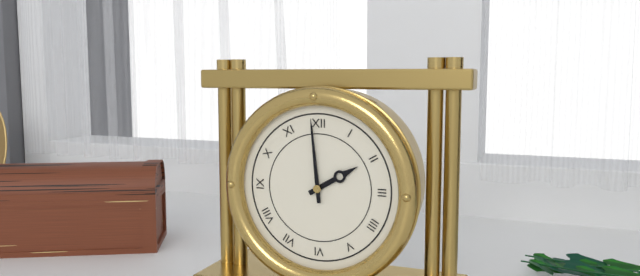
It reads 1h59
